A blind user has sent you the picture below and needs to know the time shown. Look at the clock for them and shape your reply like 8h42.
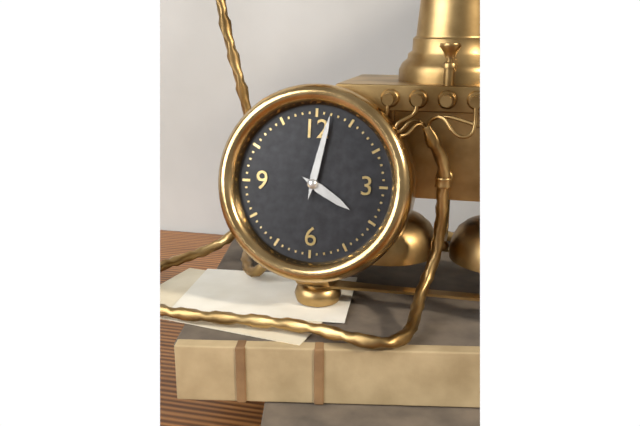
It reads 4h02
